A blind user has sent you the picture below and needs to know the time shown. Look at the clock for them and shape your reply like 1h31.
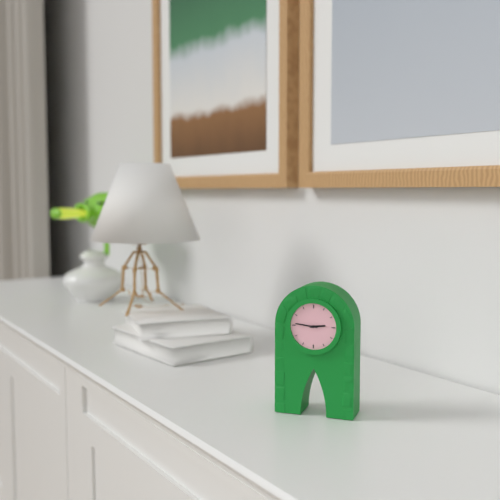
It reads 2h46
